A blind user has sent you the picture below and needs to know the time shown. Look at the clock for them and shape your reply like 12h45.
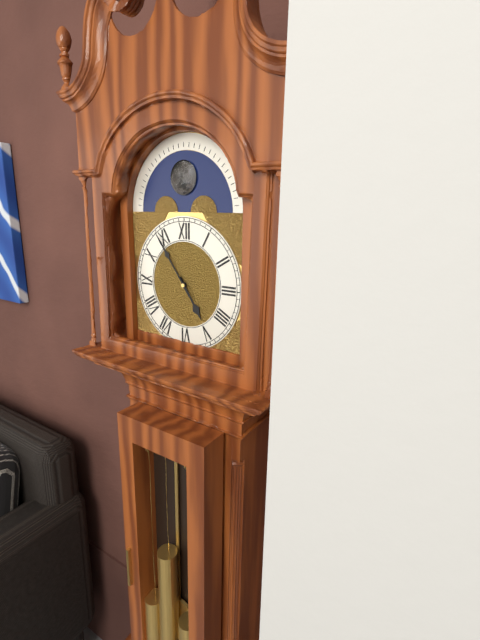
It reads 4h54
